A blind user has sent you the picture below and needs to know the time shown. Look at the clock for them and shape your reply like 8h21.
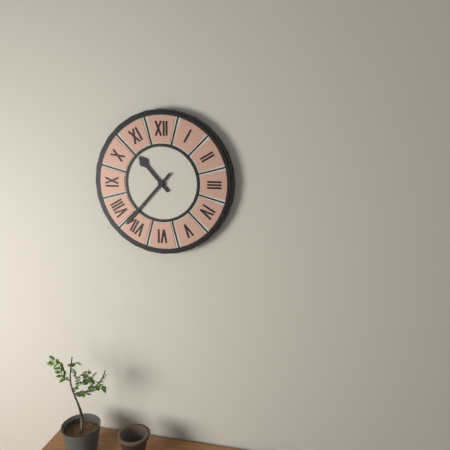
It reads 10h37
